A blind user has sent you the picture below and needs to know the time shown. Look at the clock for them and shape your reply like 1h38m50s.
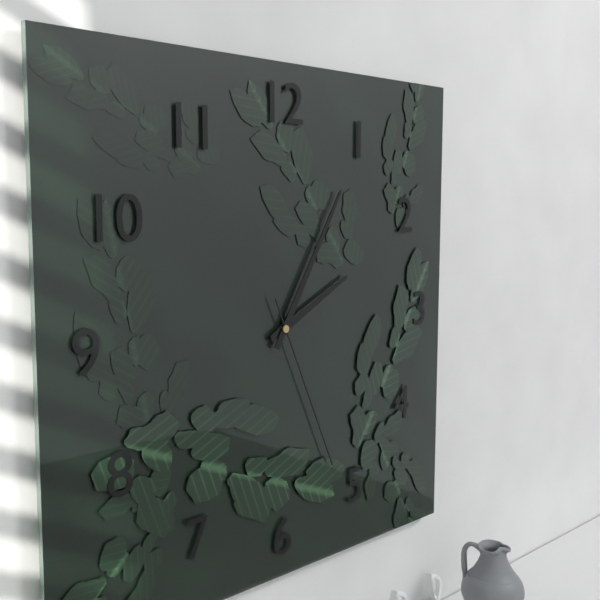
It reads 2h05m26s
